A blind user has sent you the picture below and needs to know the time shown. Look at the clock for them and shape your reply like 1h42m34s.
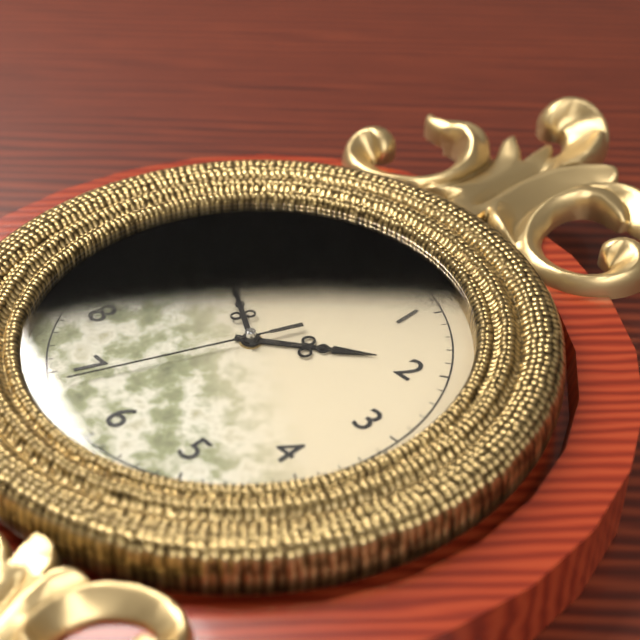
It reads 1h50m34s
